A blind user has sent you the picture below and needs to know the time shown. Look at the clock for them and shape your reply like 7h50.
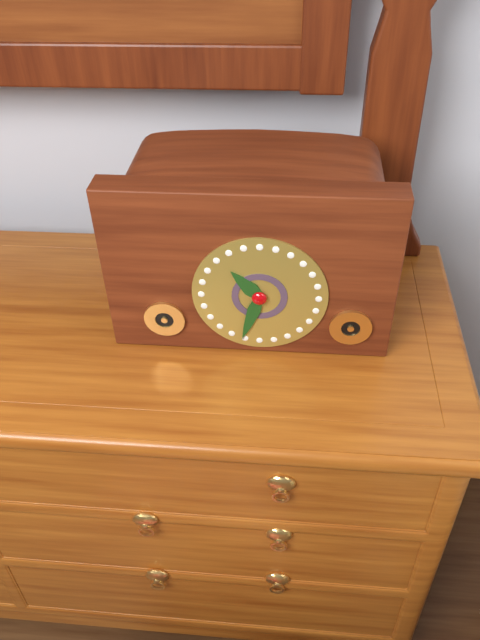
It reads 10h33
